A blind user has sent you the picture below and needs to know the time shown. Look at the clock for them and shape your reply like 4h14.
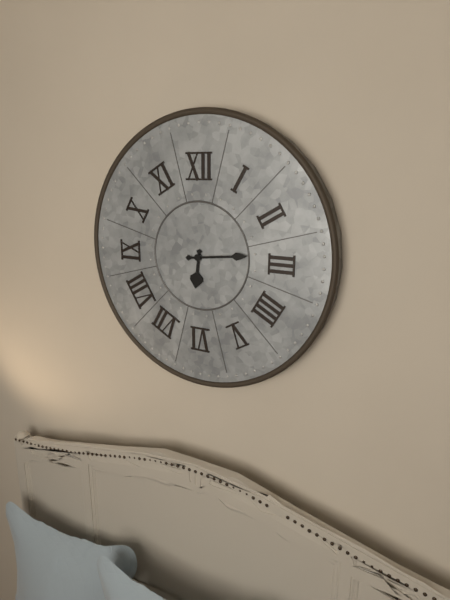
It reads 6h14
